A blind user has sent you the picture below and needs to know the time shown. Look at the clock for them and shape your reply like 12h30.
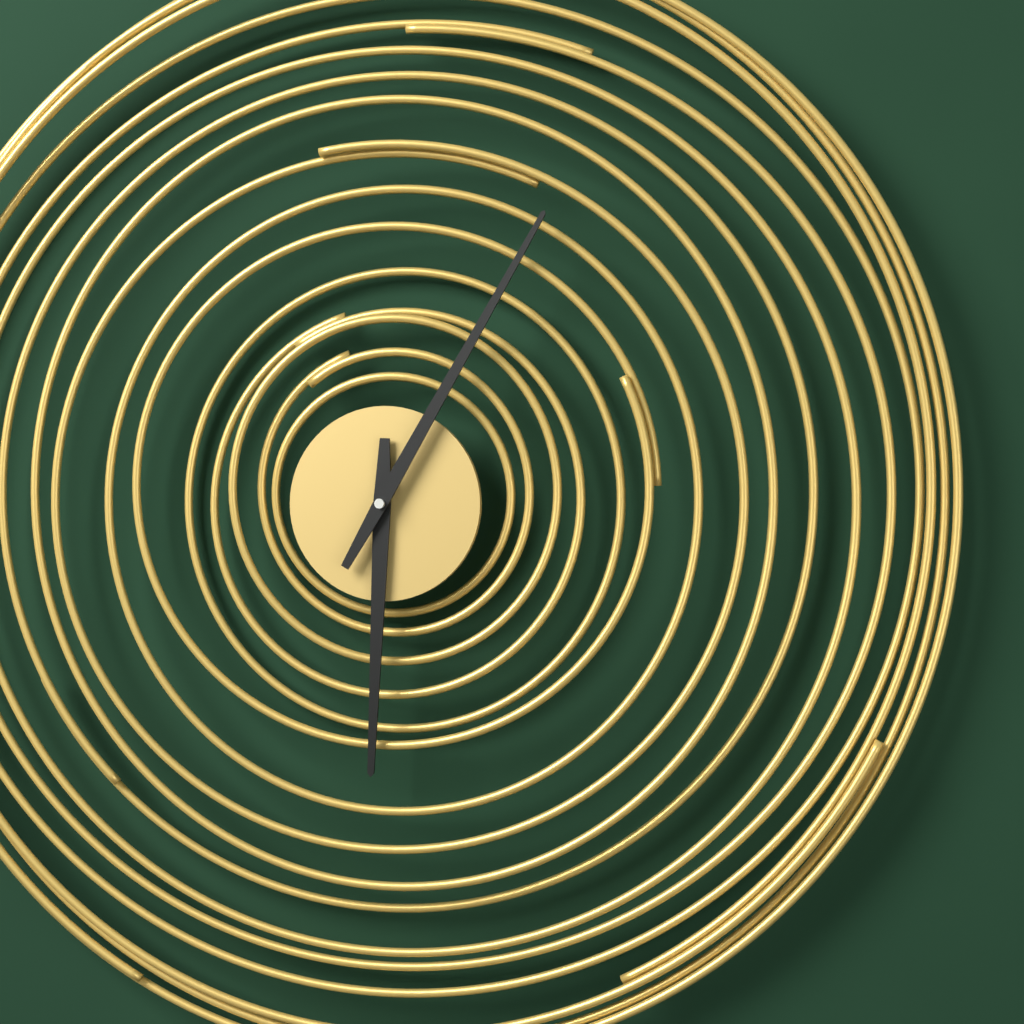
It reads 6h05
